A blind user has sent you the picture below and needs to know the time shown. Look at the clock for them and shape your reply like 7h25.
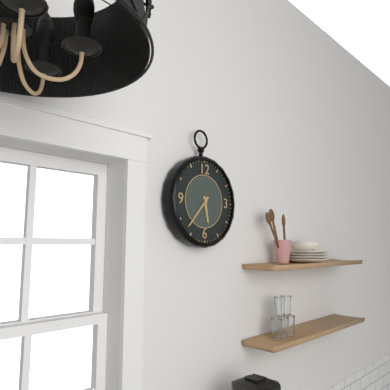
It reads 5h37
